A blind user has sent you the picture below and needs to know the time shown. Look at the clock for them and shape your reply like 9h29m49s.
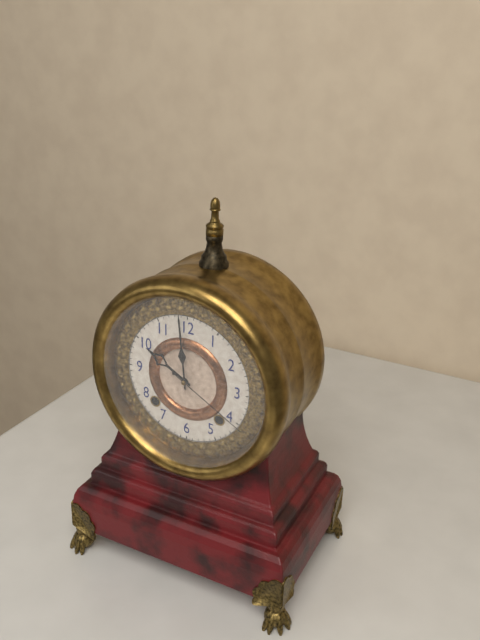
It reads 9h59m20s
